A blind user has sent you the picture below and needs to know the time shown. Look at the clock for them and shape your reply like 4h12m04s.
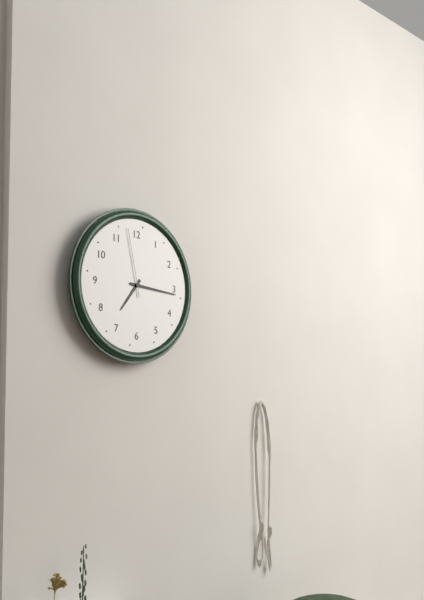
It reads 7h16m58s
